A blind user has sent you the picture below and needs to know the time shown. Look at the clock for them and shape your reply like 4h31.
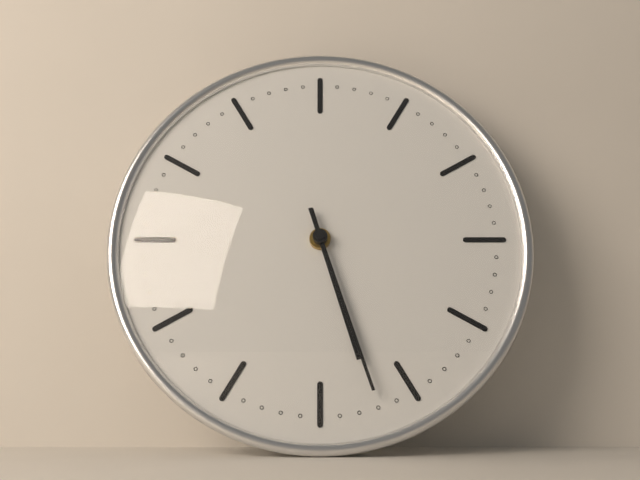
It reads 5h27
